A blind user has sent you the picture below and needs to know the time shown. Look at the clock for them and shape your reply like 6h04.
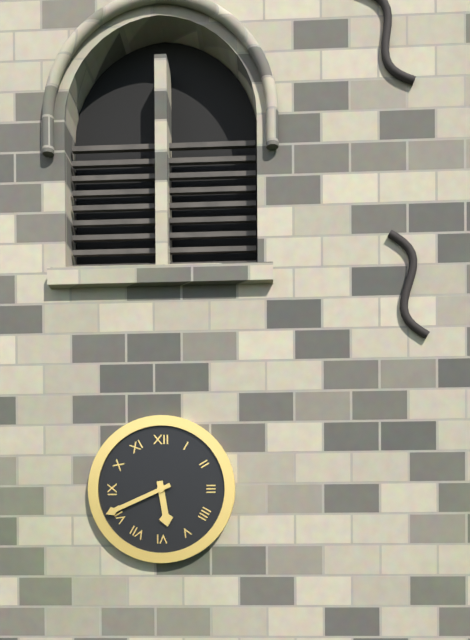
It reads 5h41
